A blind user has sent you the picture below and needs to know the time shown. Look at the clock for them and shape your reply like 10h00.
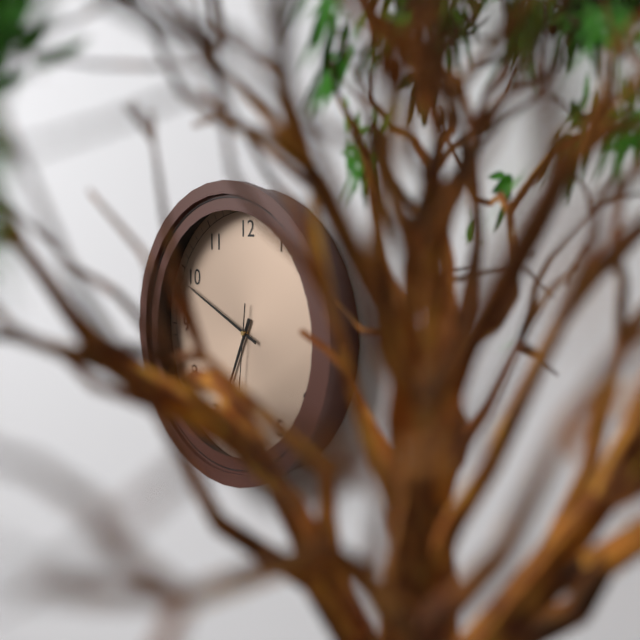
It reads 6h49
